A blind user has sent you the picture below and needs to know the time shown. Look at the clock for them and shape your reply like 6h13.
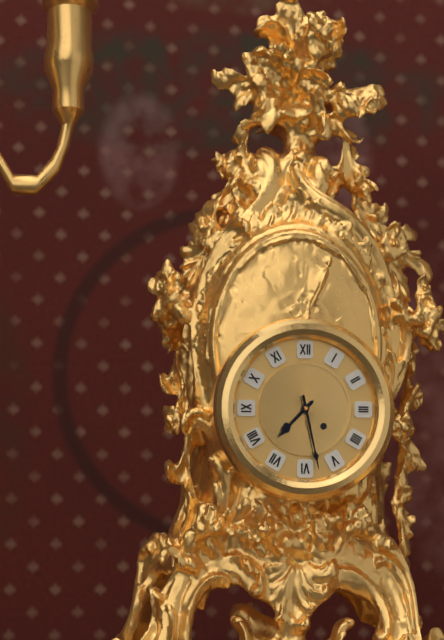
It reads 7h28
